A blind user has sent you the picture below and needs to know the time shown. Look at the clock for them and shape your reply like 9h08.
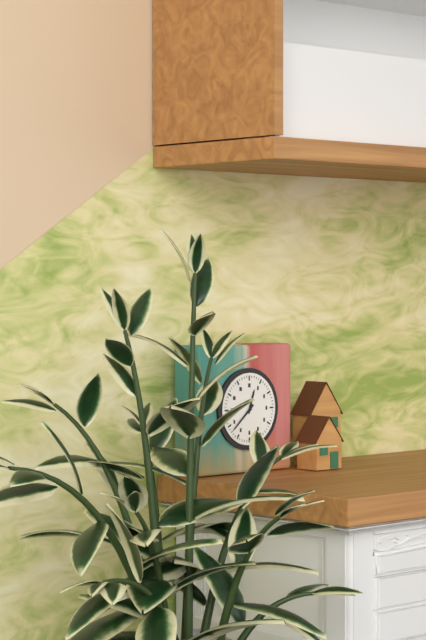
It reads 12h38
